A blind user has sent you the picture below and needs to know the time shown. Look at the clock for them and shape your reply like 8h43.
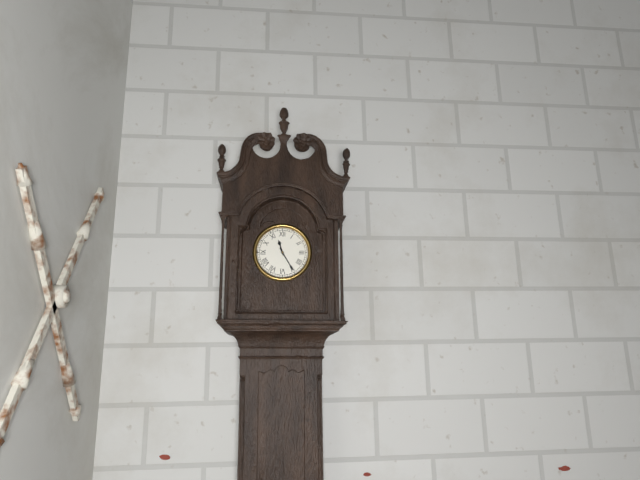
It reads 11h25
